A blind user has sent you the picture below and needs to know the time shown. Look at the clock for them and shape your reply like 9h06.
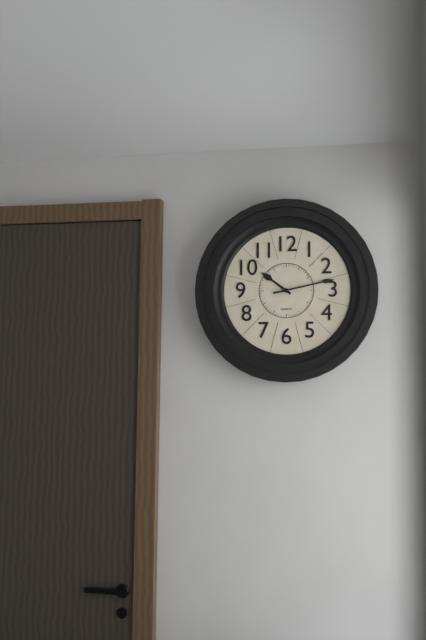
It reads 10h13
